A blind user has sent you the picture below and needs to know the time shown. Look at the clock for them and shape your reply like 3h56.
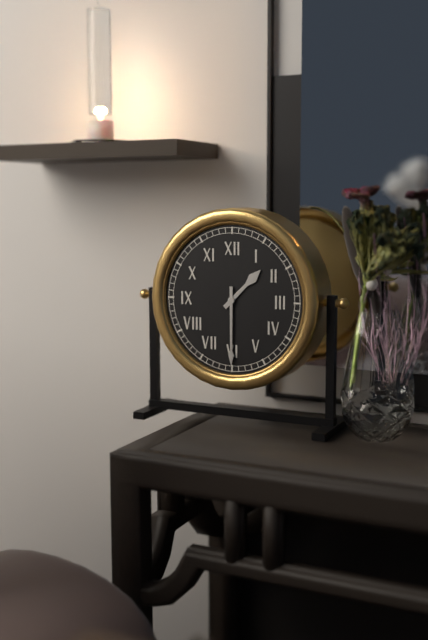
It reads 1h30
